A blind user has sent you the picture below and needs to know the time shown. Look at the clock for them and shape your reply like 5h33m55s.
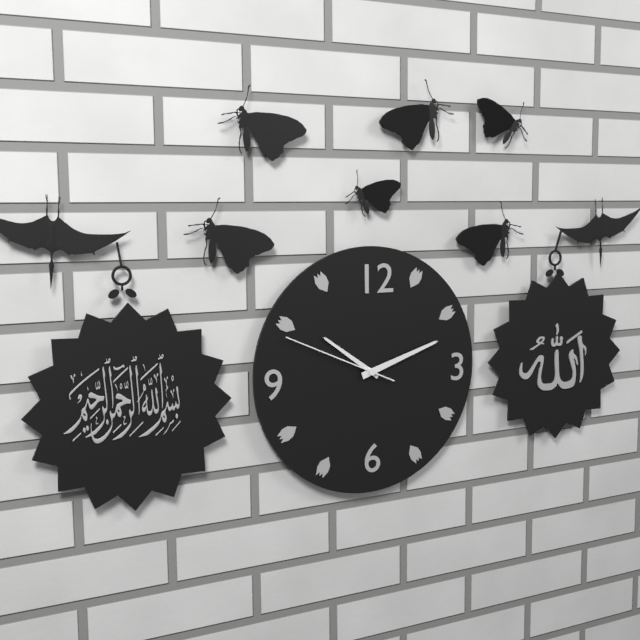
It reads 10h12m49s
